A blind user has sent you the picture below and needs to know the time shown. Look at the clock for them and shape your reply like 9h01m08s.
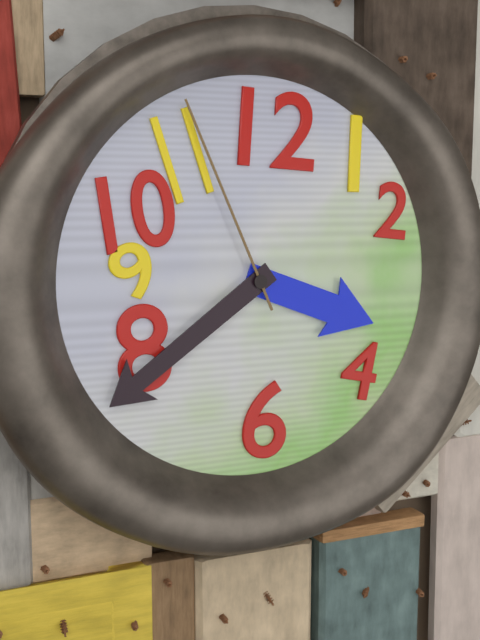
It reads 3h39m56s
